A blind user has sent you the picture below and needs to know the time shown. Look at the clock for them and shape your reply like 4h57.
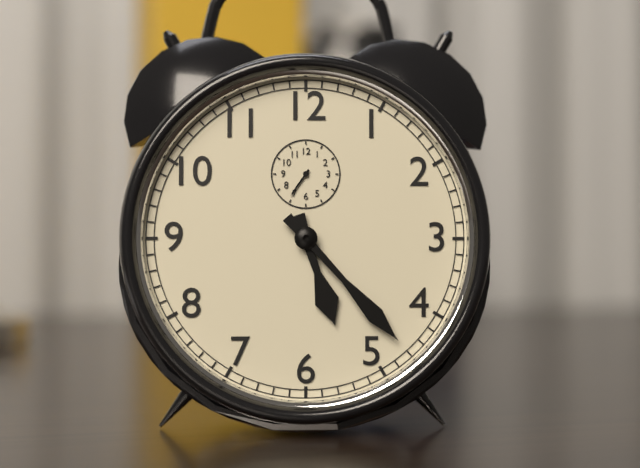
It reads 5h23
